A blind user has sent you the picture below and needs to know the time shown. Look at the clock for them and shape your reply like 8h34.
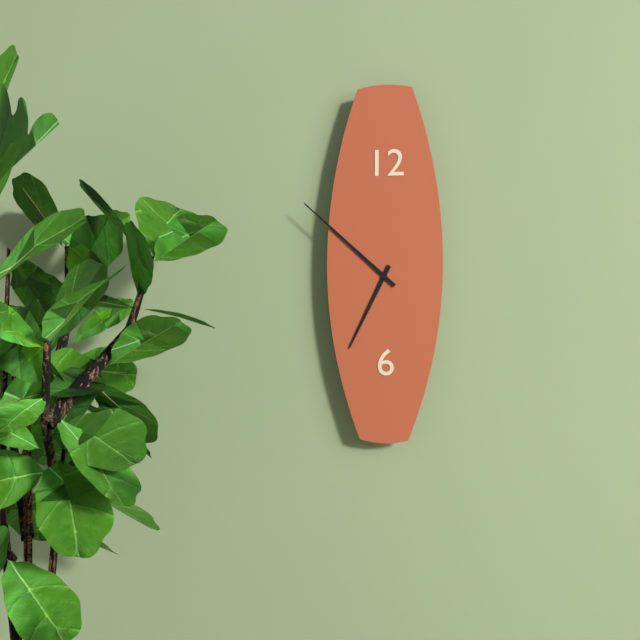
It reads 6h52
